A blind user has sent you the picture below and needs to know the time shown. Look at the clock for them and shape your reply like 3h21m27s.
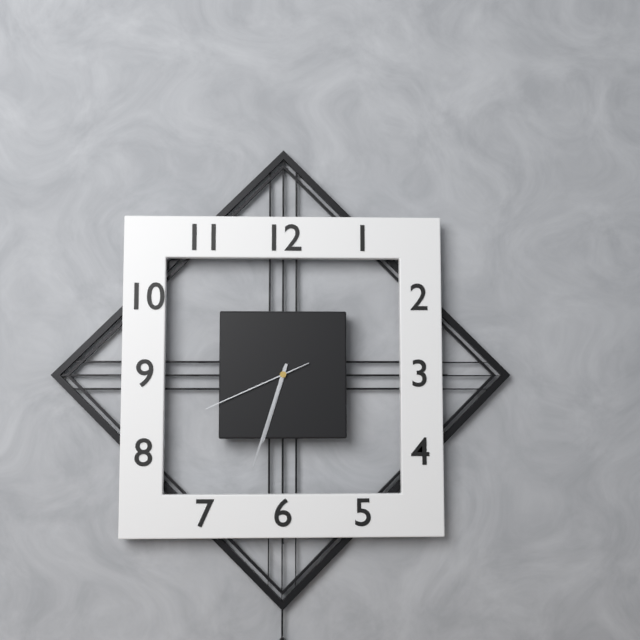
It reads 6h33m41s
